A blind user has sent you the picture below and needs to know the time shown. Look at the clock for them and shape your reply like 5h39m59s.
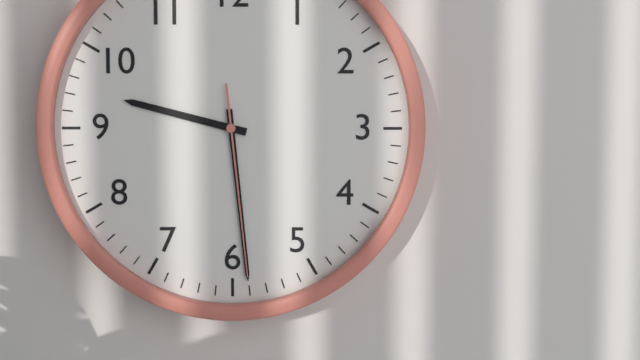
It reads 9h29m29s
